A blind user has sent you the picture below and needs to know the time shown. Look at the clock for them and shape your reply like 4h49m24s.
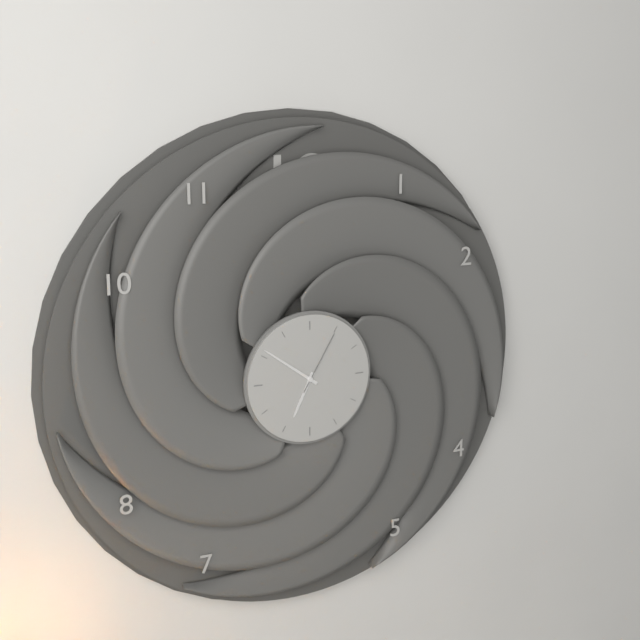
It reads 6h51m05s
